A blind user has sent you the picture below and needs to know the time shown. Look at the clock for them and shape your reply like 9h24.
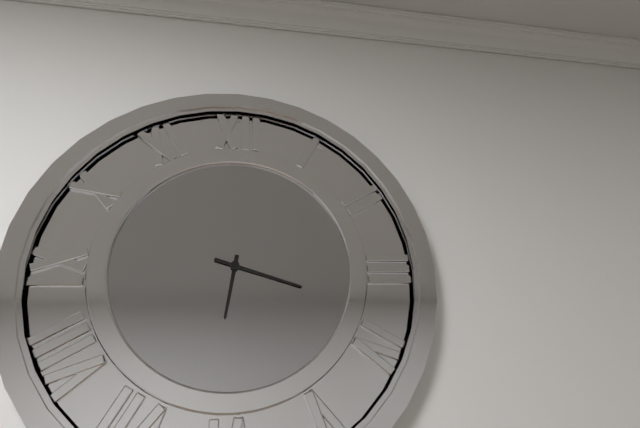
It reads 6h18
